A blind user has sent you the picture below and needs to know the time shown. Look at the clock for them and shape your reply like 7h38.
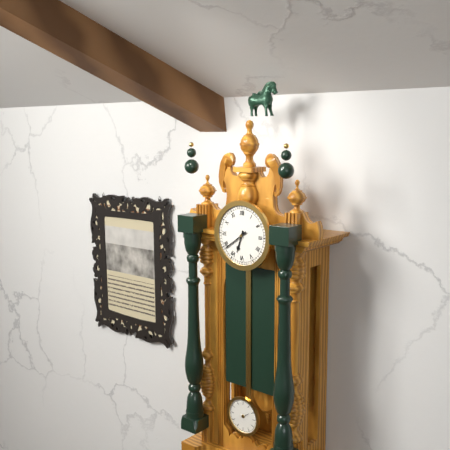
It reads 6h39
